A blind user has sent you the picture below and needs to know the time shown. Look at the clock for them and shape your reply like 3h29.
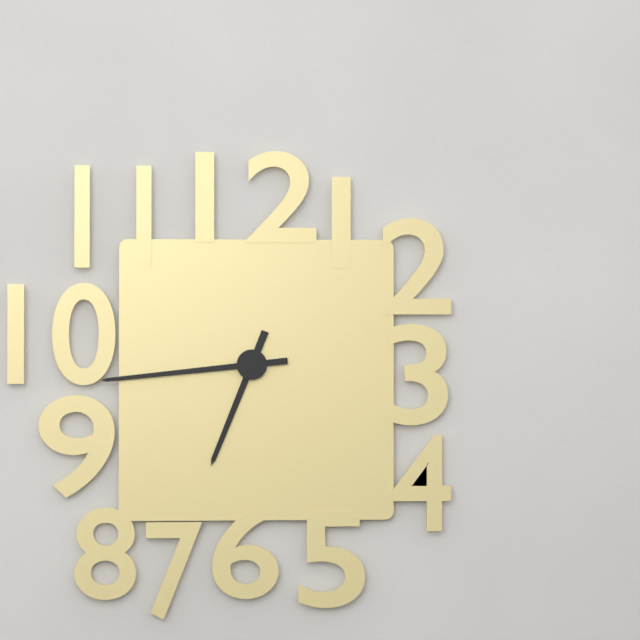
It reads 6h44
